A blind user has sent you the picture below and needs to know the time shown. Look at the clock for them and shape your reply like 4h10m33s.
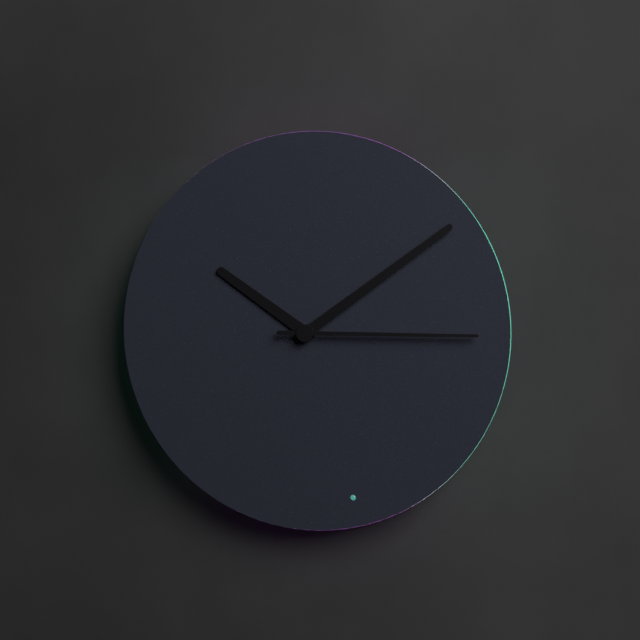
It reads 10h09m15s
